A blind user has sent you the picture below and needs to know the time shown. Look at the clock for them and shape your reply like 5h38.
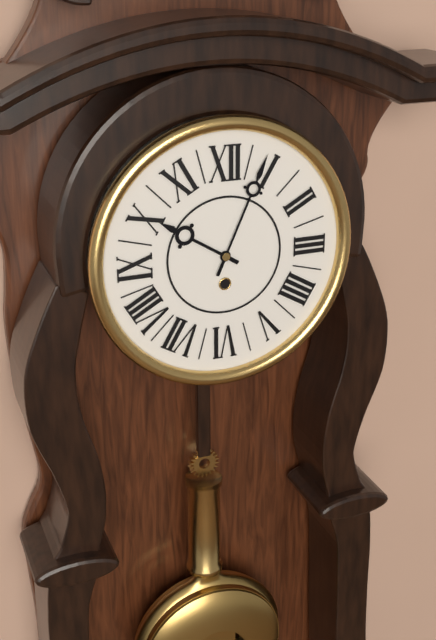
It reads 10h04
